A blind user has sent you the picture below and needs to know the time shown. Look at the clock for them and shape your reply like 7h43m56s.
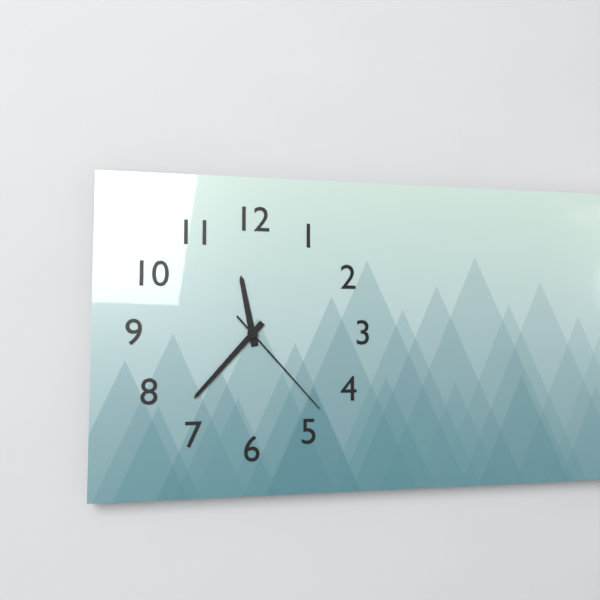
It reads 11h37m23s
